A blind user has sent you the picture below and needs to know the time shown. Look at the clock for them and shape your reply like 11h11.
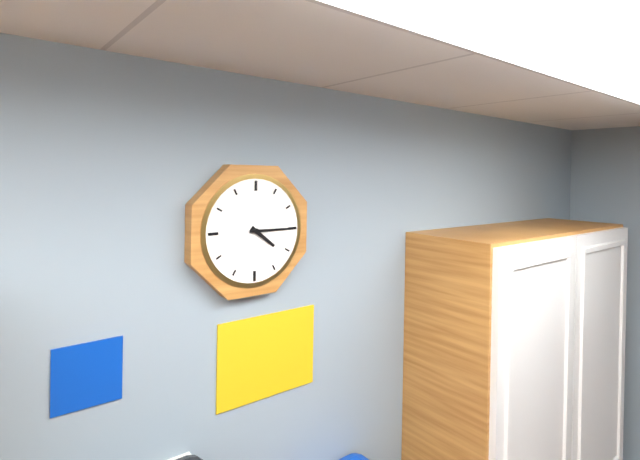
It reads 4h15
